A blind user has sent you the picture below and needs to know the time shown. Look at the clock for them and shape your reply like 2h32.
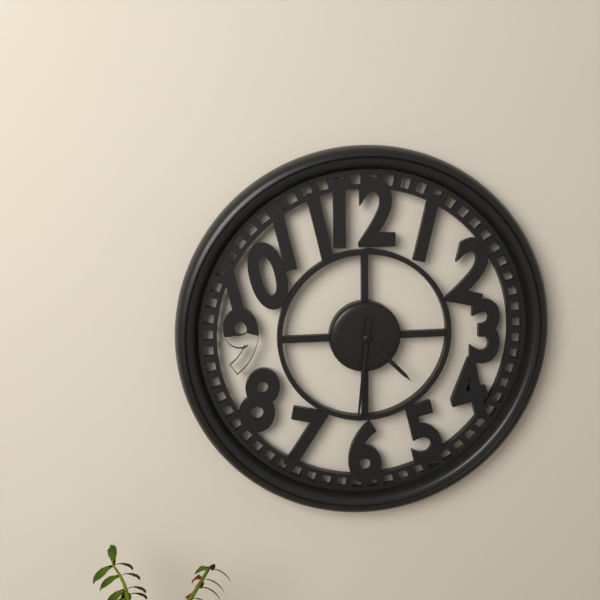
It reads 4h31
